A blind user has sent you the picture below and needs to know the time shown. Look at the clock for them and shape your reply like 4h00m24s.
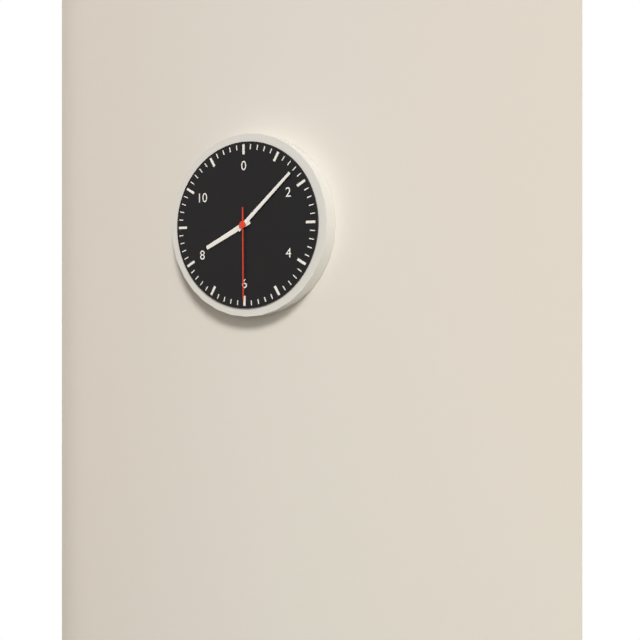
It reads 8h08m30s
